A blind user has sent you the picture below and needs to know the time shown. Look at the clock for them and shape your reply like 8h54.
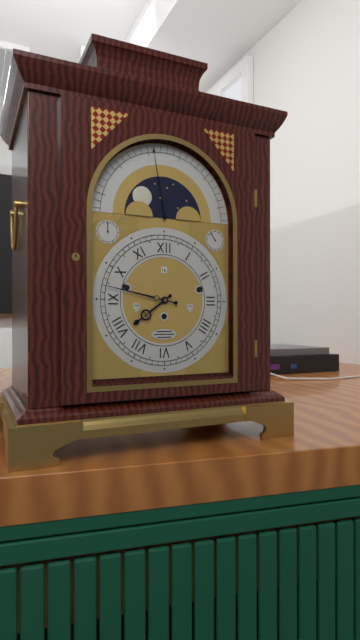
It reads 7h47
